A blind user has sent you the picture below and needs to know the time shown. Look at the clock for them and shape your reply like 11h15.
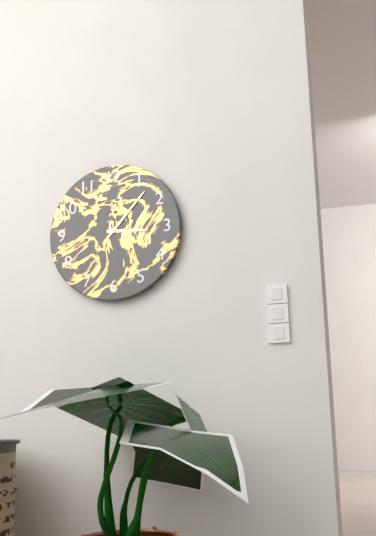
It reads 3h07
